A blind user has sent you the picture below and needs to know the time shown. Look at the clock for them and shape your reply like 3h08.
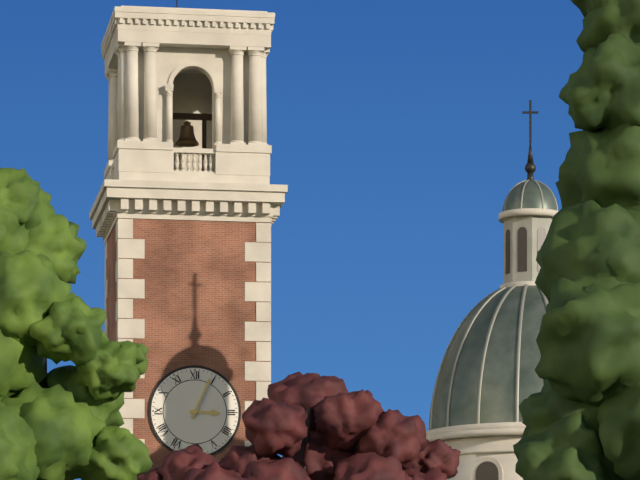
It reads 3h04
